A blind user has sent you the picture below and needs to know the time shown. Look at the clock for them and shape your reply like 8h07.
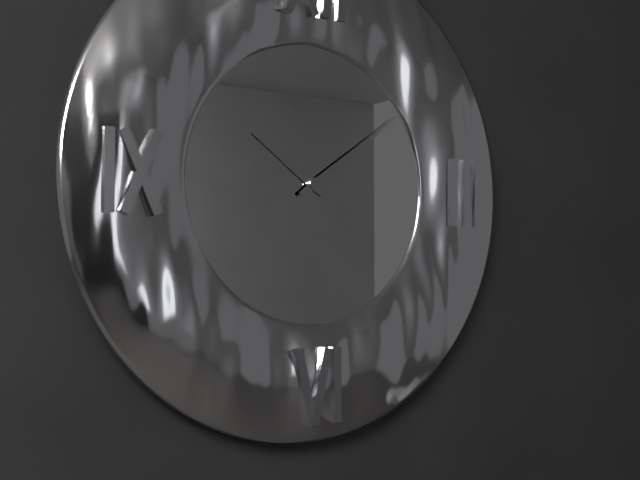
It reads 10h09
